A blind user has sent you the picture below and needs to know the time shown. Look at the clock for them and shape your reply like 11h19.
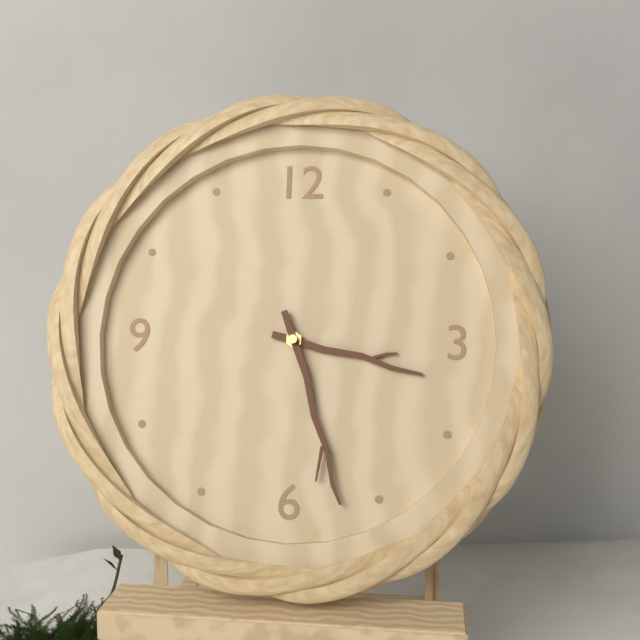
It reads 3h27
